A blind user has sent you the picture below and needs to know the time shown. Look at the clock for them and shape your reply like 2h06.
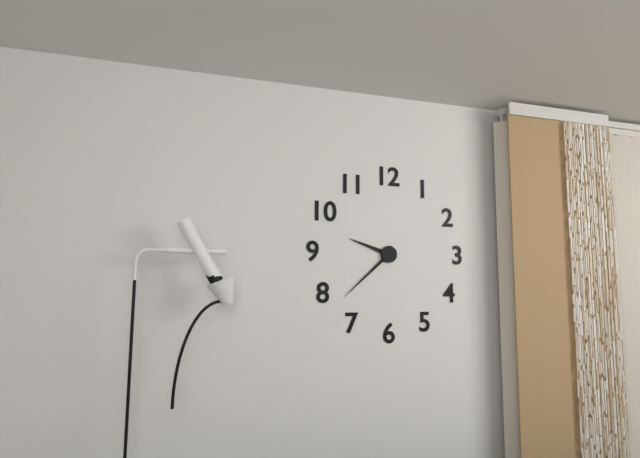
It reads 9h38
